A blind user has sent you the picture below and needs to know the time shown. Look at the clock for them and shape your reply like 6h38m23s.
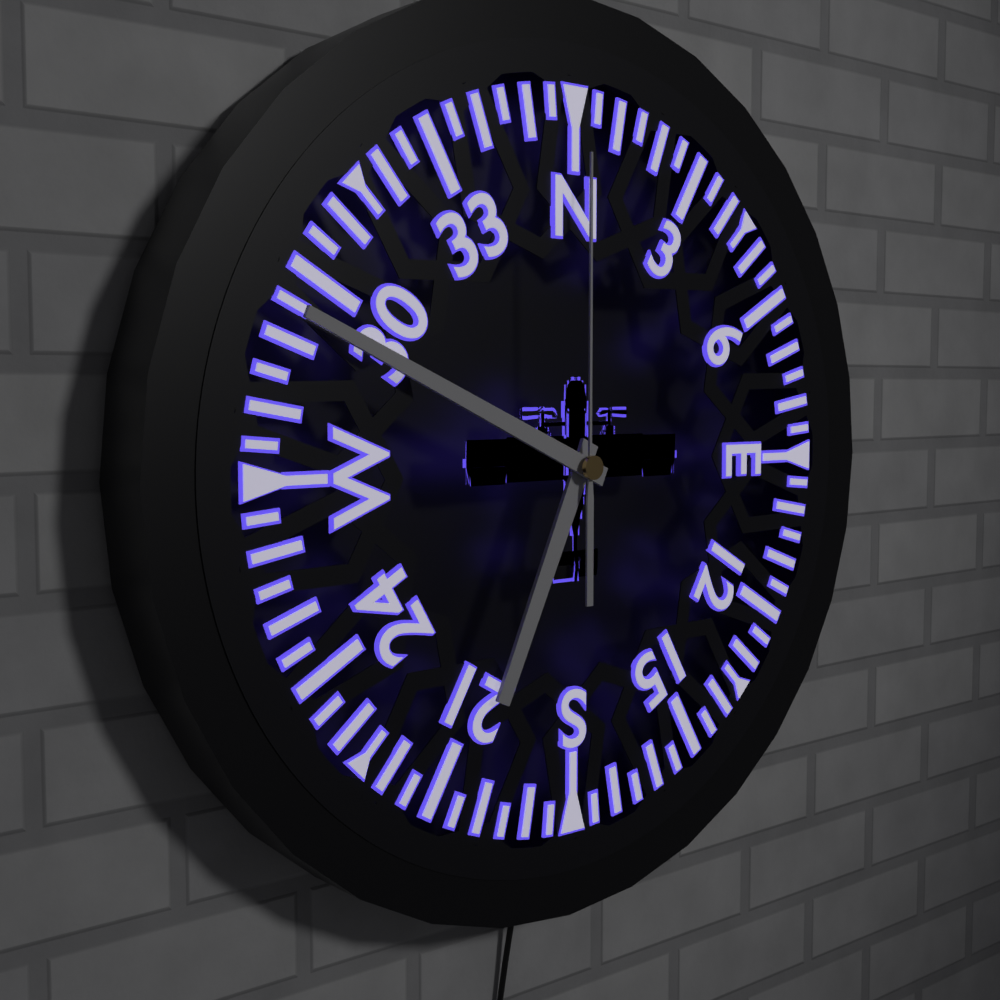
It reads 6h49m00s
